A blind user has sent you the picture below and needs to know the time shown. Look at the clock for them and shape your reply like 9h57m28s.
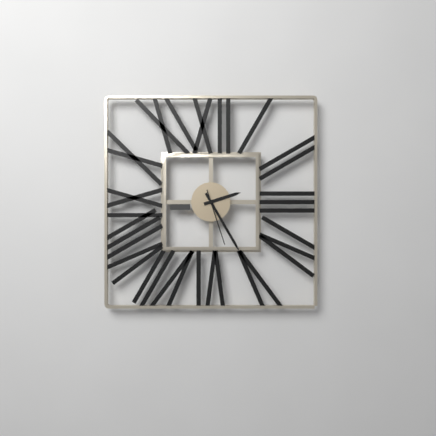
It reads 2h25m27s
